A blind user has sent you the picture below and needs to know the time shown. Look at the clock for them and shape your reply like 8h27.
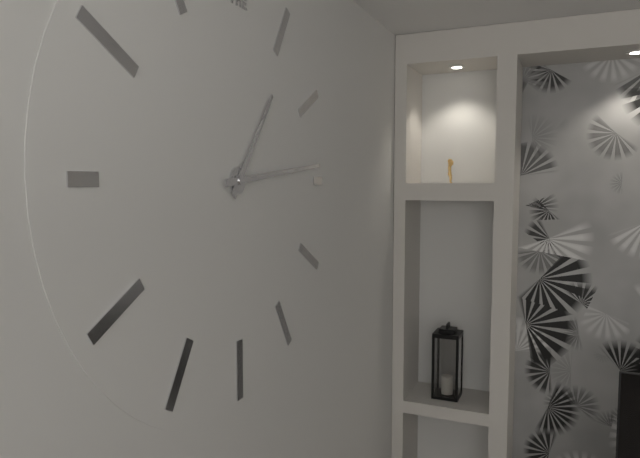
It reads 1h14
